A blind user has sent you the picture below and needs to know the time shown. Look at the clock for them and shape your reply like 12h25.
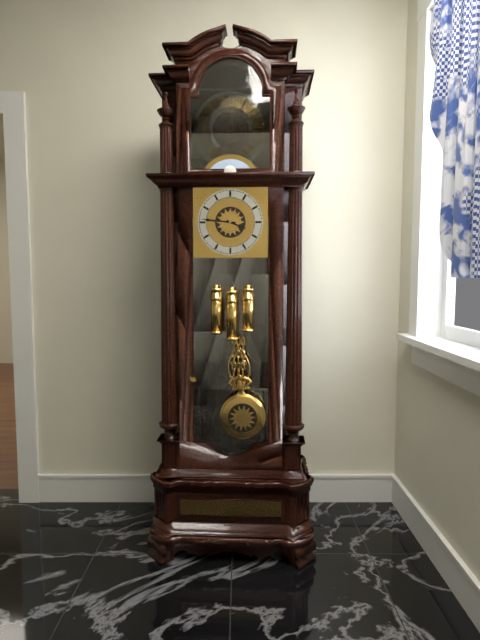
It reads 3h46
